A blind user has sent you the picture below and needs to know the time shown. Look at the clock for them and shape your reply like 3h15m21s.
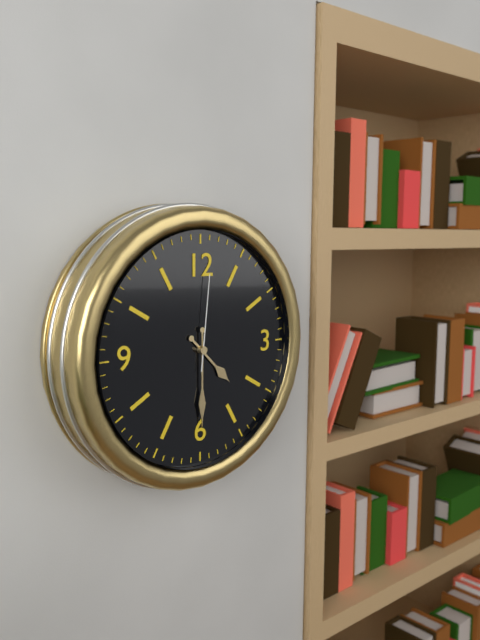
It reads 4h30m01s
